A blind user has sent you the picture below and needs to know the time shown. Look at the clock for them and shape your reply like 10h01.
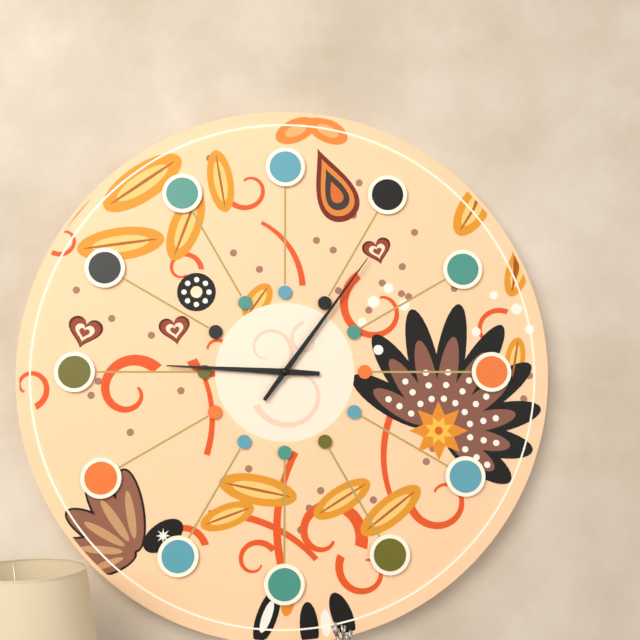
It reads 9h06
